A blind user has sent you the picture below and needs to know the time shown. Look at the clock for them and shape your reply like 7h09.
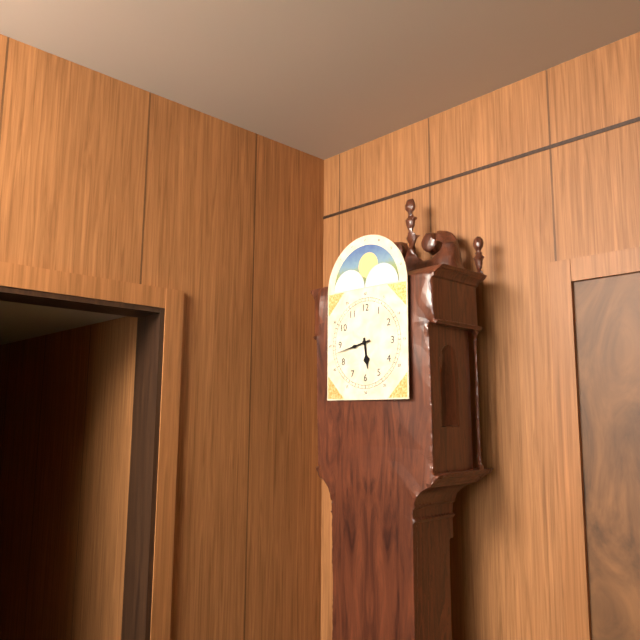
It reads 5h43
